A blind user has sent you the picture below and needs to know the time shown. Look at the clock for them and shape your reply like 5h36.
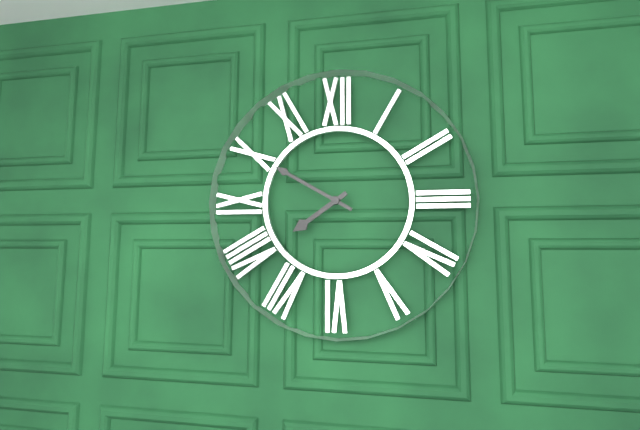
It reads 7h50
